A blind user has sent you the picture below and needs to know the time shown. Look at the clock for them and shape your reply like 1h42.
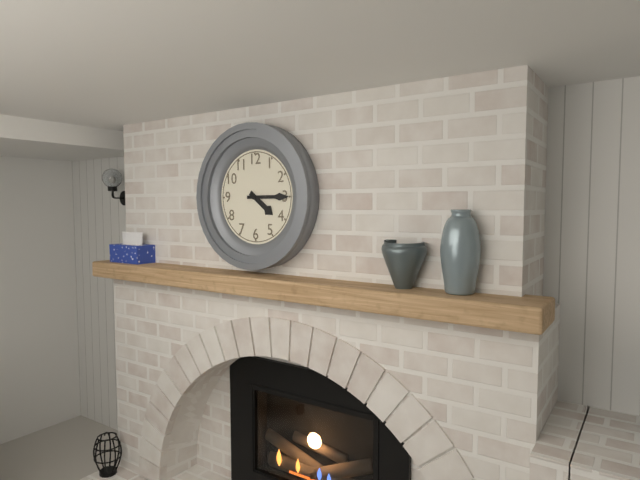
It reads 4h15
